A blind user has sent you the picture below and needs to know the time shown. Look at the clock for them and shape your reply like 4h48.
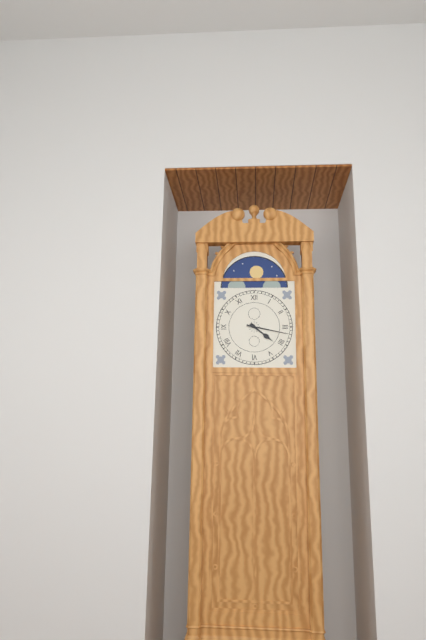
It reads 4h17
